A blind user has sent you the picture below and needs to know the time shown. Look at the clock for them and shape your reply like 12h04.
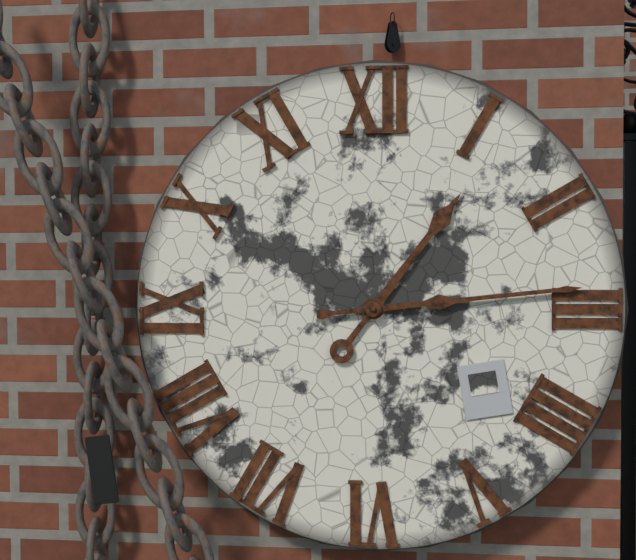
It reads 1h14
